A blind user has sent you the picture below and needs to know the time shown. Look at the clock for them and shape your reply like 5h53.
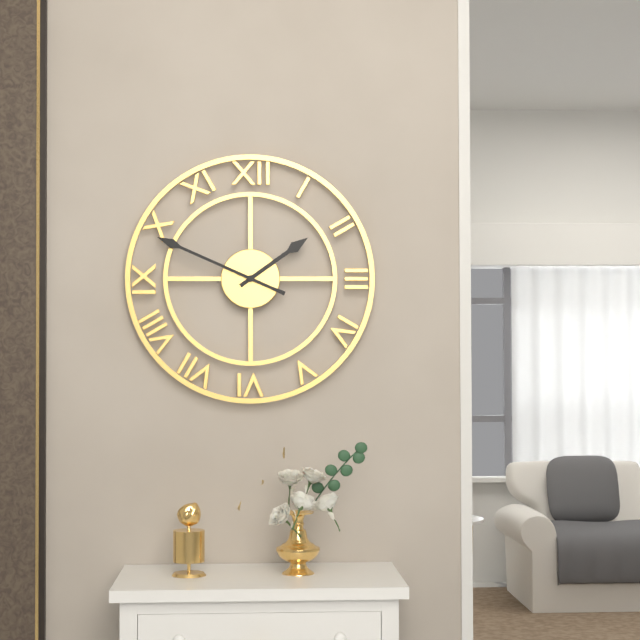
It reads 1h49
